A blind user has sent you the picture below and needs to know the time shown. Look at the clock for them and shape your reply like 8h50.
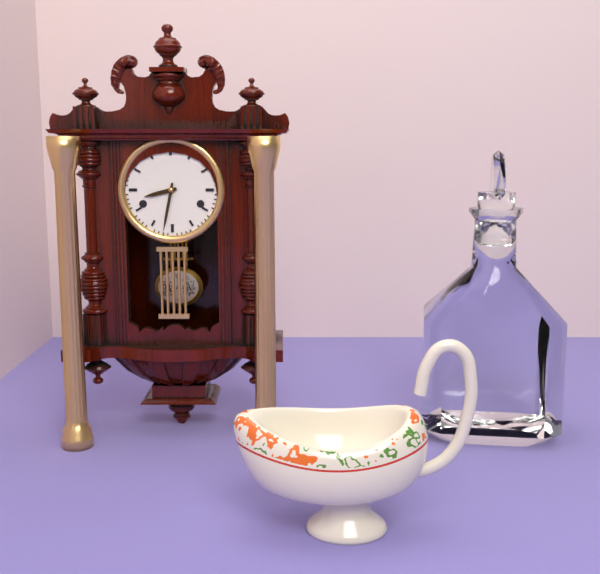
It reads 8h32
